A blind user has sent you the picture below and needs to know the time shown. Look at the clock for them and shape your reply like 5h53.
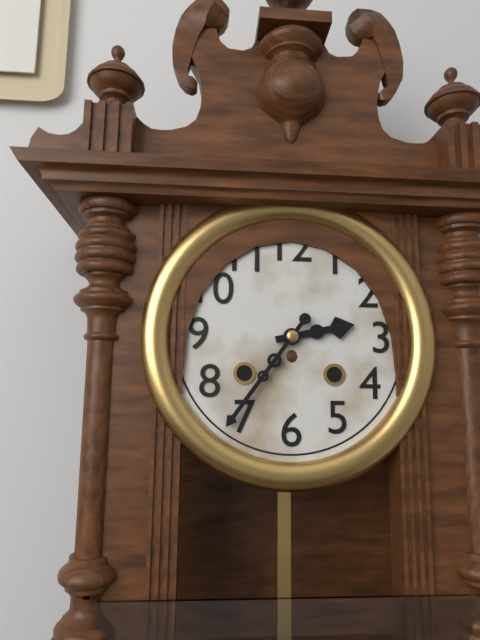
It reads 2h36
